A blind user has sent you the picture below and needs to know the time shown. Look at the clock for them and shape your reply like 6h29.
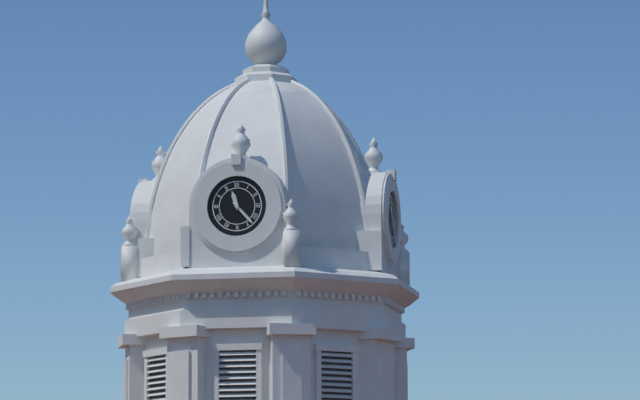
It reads 11h23
